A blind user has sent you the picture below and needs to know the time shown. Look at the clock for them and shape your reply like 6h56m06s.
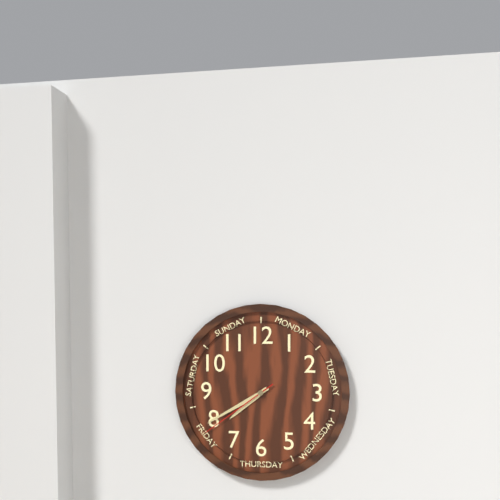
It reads 7h40m39s
